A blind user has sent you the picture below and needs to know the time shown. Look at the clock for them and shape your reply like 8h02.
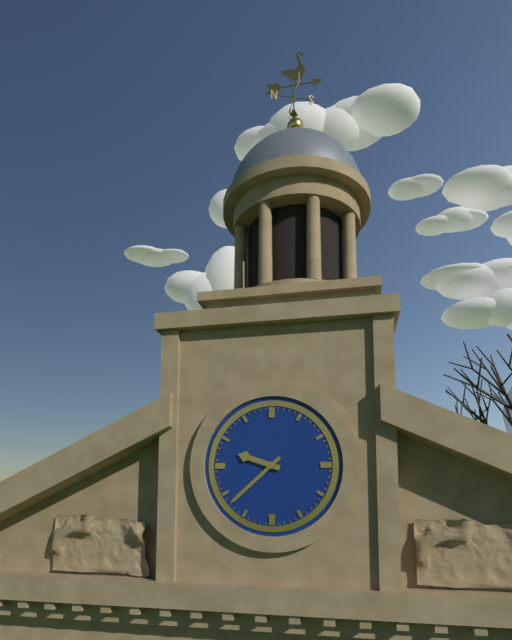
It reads 9h38
